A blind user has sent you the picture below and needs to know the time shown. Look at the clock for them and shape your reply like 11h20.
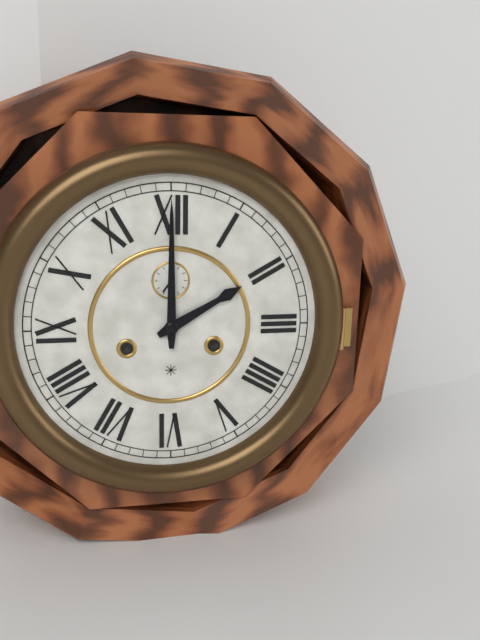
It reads 2h00
